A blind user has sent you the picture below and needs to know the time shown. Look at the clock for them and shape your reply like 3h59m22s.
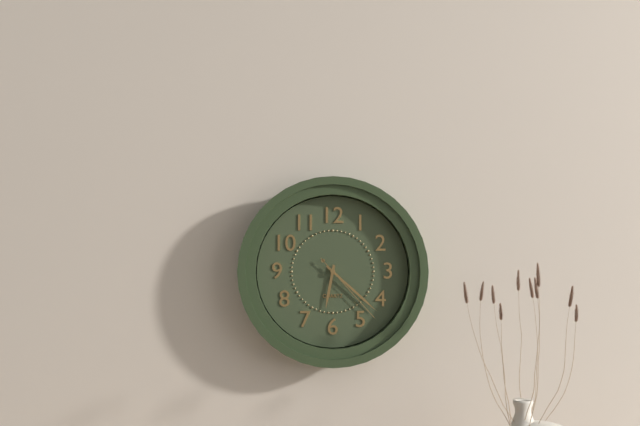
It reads 6h22m23s
